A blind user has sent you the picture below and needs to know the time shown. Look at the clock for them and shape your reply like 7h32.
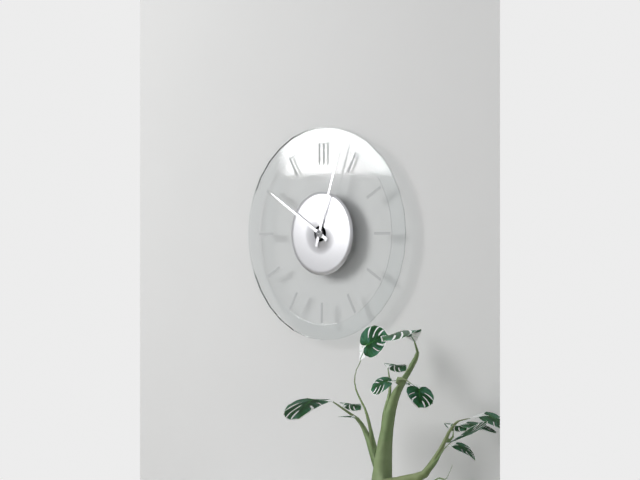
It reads 10h03
